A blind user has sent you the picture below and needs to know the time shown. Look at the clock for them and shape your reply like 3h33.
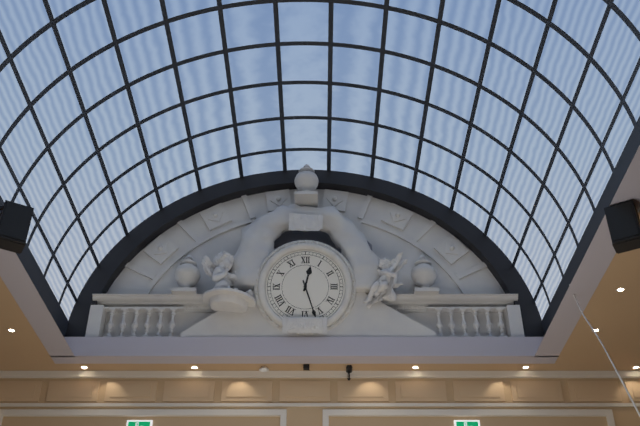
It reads 12h27
